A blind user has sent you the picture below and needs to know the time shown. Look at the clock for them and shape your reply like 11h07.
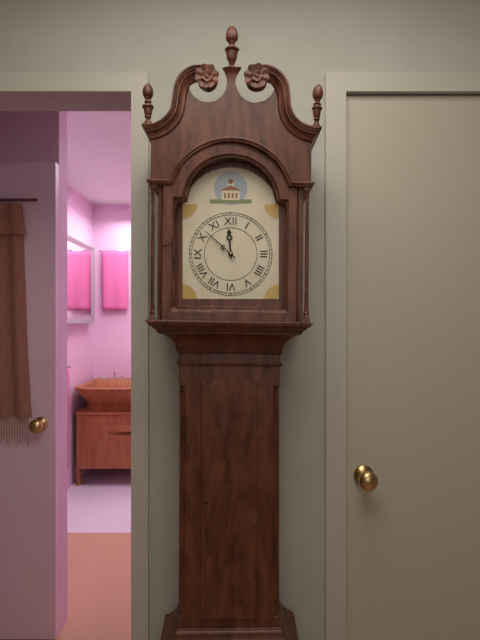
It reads 11h52
